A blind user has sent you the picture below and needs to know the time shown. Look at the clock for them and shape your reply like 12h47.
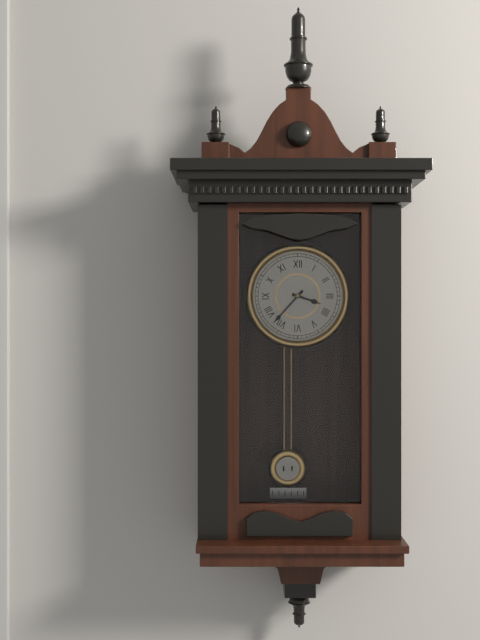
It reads 3h37
